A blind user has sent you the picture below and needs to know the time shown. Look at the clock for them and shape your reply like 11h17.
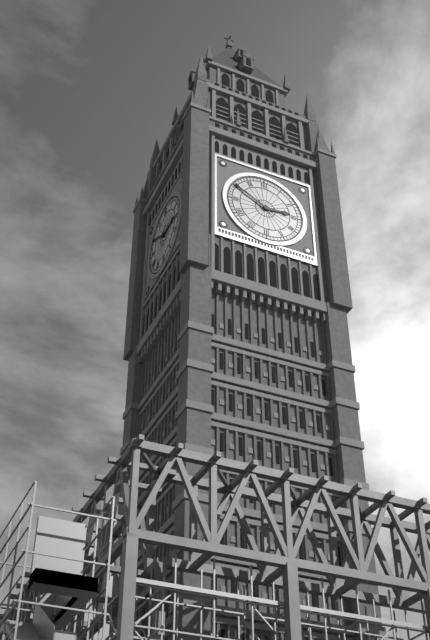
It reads 2h50
